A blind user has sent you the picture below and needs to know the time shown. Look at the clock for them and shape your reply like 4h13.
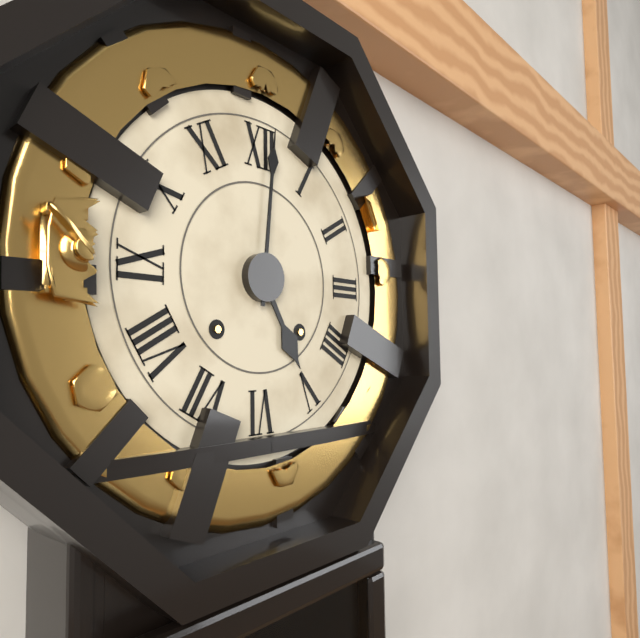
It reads 5h01
